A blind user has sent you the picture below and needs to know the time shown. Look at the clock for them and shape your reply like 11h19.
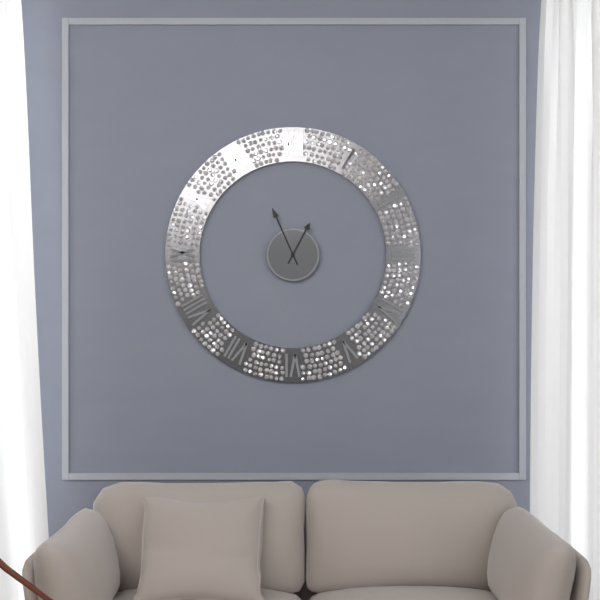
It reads 12h56
